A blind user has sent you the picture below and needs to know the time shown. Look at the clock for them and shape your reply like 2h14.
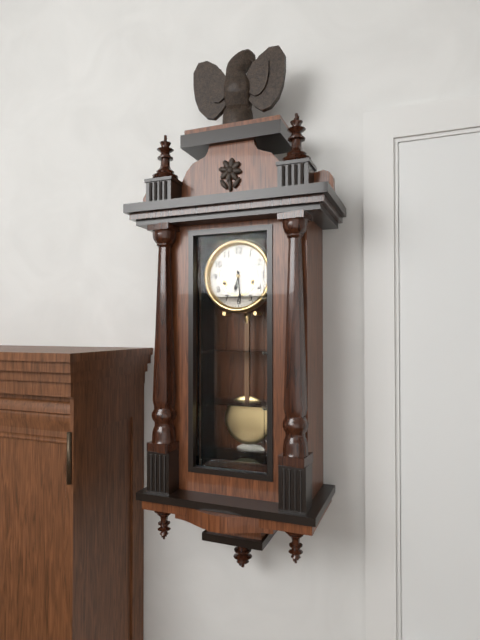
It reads 6h29
